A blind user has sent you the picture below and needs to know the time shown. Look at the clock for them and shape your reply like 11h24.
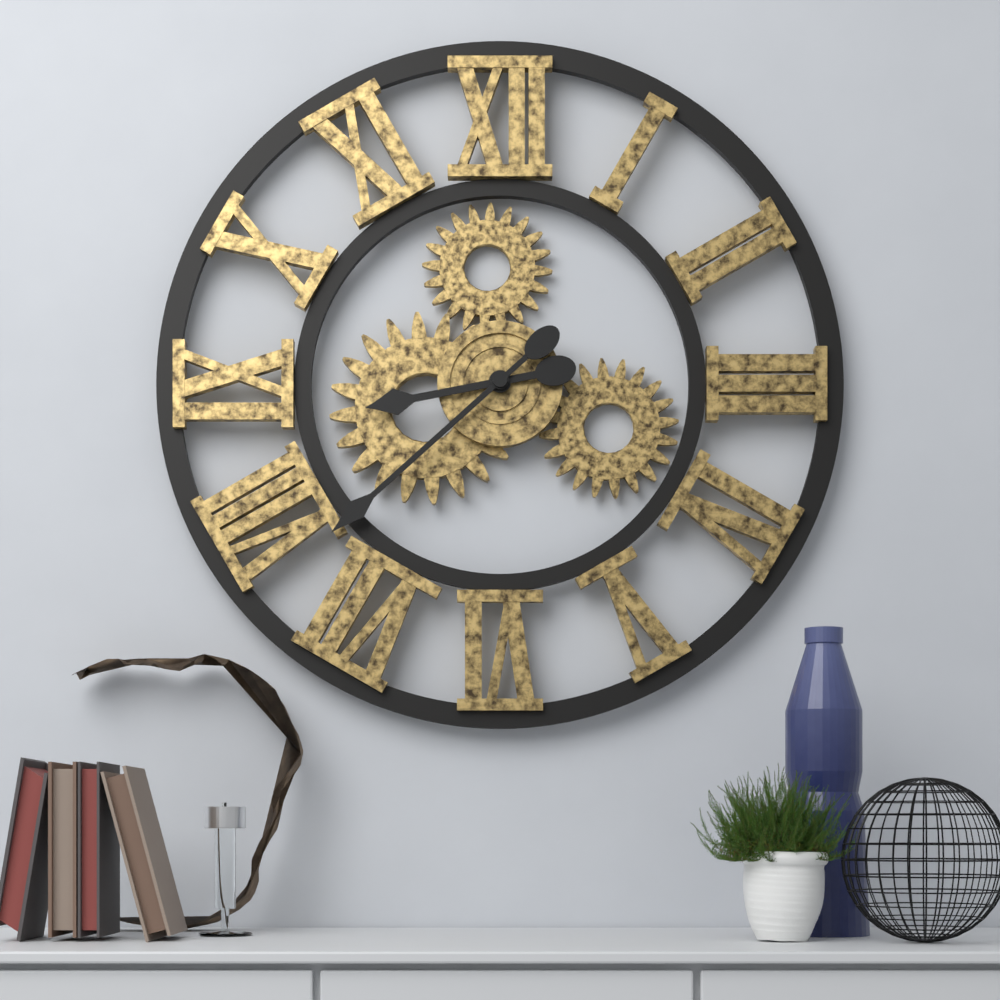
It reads 8h38
